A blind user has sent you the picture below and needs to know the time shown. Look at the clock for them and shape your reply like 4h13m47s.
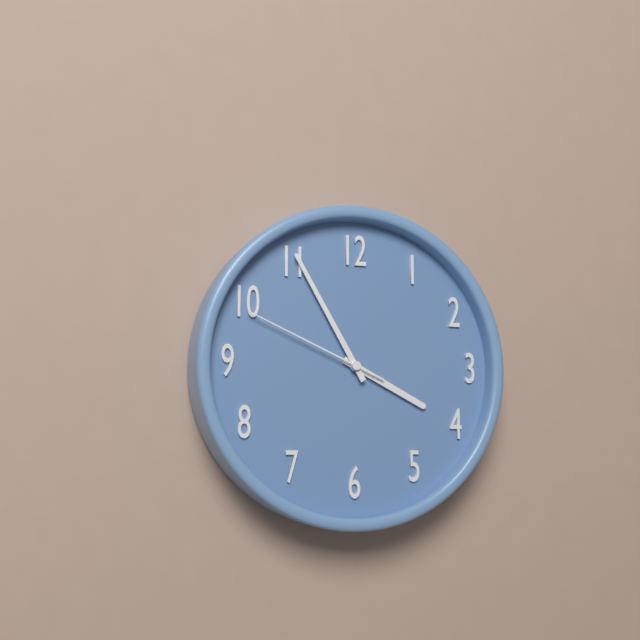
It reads 3h55m49s
